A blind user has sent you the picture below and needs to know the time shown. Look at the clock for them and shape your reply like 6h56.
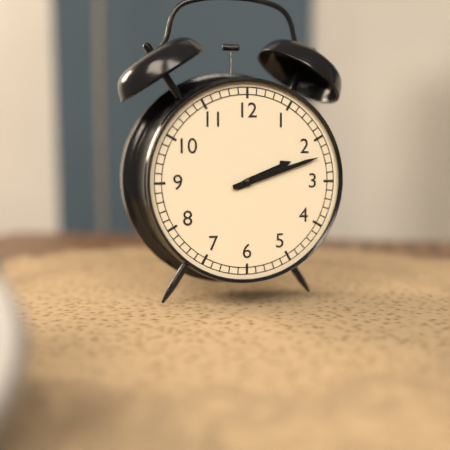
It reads 2h12
